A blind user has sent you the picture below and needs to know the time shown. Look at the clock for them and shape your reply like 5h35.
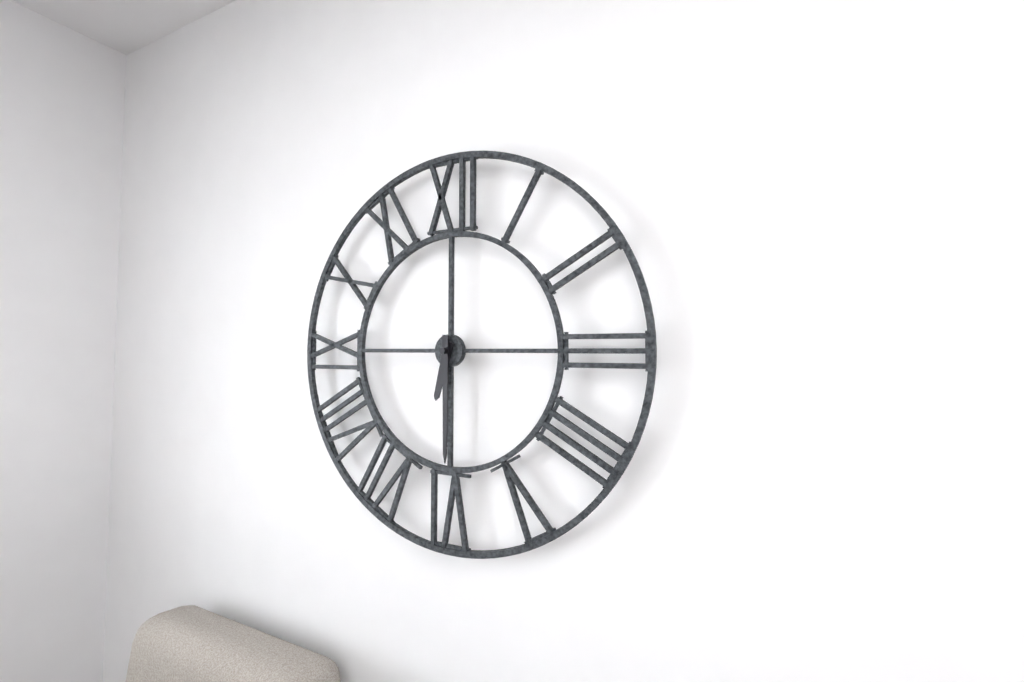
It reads 6h30
